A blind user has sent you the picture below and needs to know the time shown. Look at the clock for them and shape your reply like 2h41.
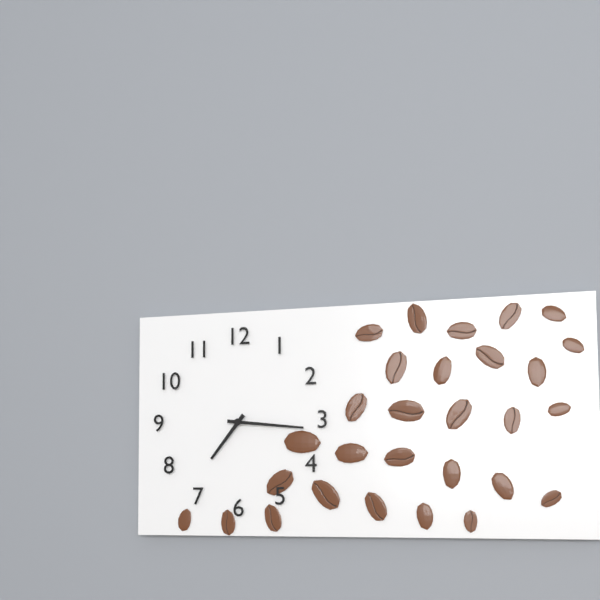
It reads 7h16
